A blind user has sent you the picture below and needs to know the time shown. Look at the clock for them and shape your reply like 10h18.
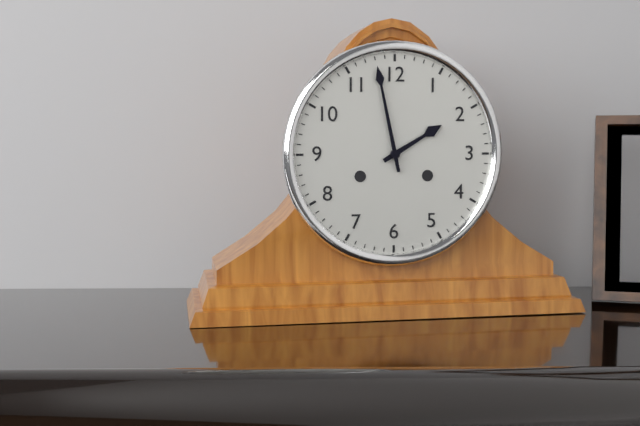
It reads 1h58
